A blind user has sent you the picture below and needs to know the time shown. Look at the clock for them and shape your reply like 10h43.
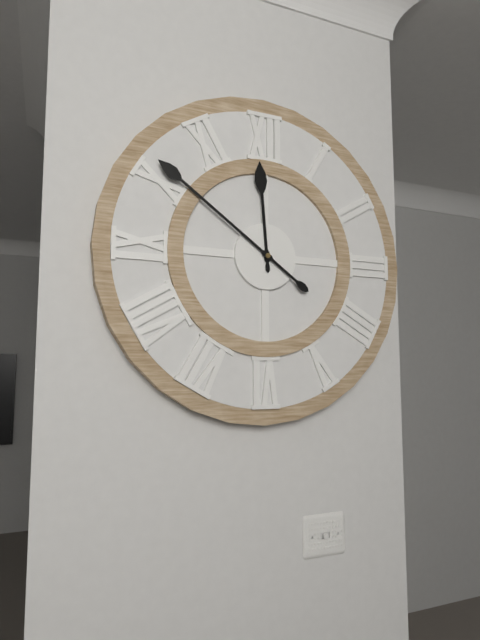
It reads 11h51
